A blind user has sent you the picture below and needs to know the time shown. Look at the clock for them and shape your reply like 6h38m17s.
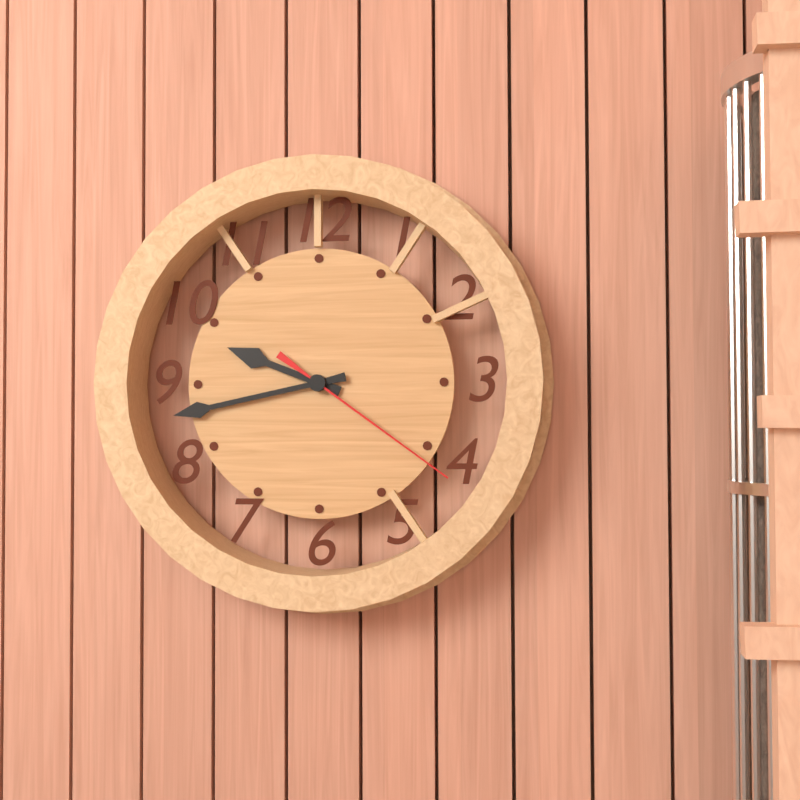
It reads 9h43m21s
